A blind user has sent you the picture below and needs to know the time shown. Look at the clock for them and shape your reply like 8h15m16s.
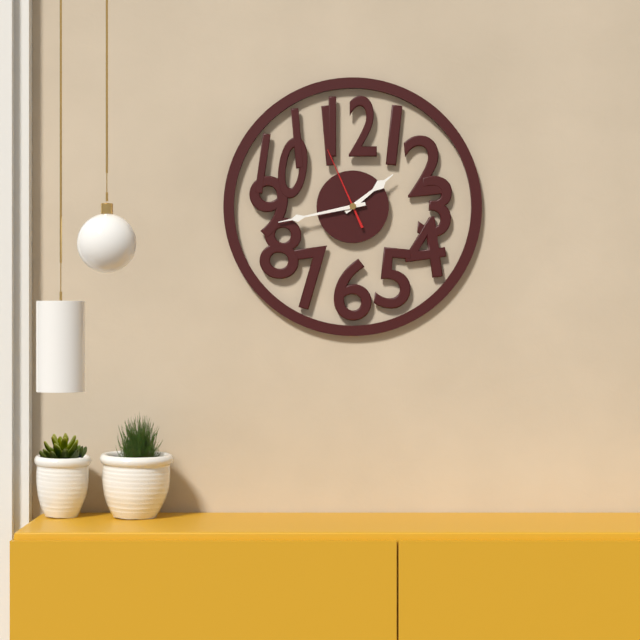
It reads 1h43m56s
